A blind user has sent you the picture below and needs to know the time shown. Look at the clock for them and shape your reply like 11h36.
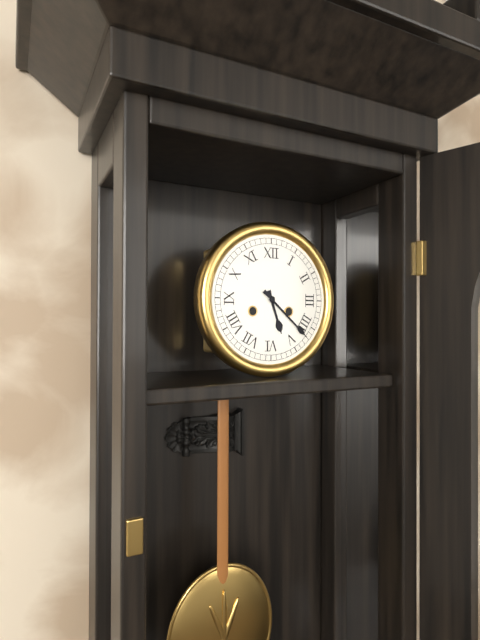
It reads 5h22
